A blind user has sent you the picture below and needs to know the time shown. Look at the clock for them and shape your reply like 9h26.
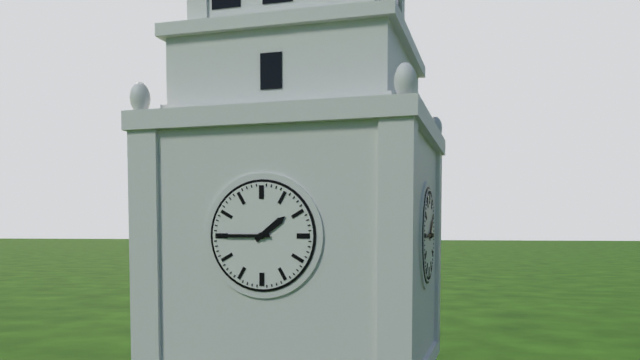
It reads 1h45
